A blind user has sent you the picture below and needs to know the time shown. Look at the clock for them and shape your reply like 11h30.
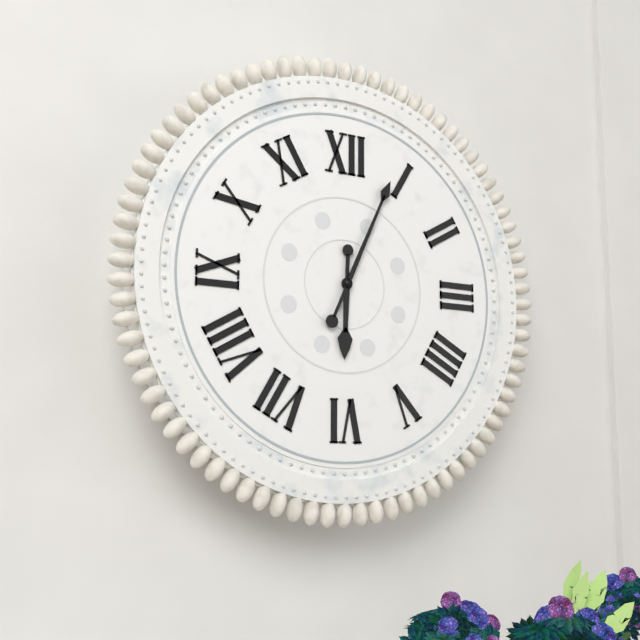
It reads 6h04
